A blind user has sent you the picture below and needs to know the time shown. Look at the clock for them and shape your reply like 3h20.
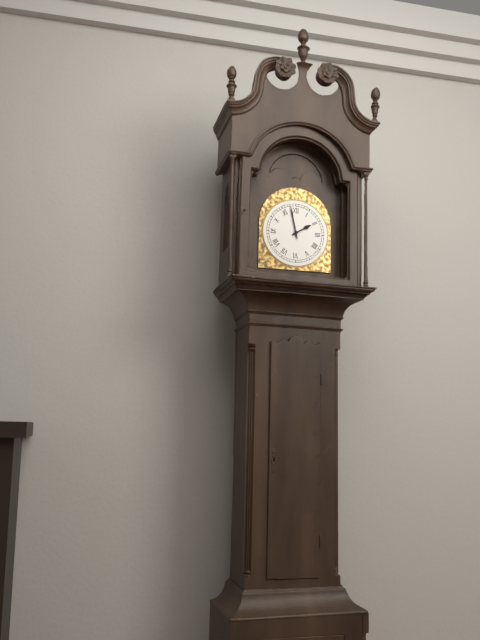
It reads 1h58
